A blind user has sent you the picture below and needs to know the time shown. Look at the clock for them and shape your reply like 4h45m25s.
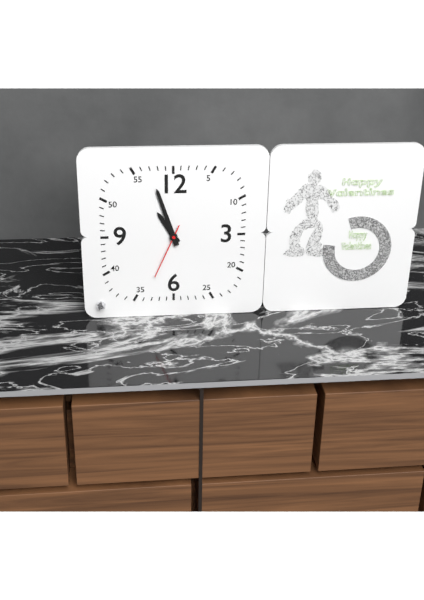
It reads 10h57m34s
